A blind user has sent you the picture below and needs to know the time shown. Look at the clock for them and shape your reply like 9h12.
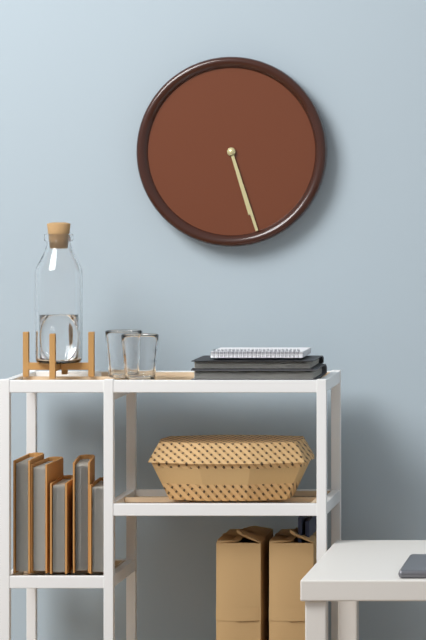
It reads 5h27
